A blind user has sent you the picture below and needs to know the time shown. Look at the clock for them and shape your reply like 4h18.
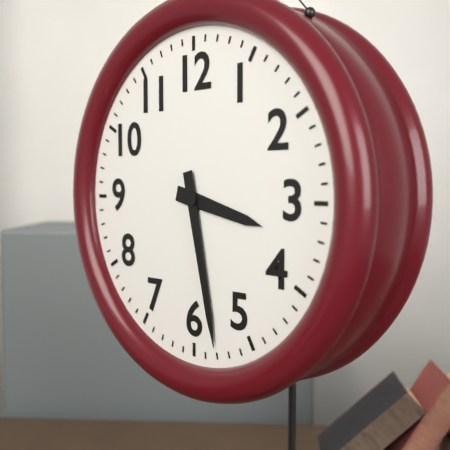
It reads 3h28
